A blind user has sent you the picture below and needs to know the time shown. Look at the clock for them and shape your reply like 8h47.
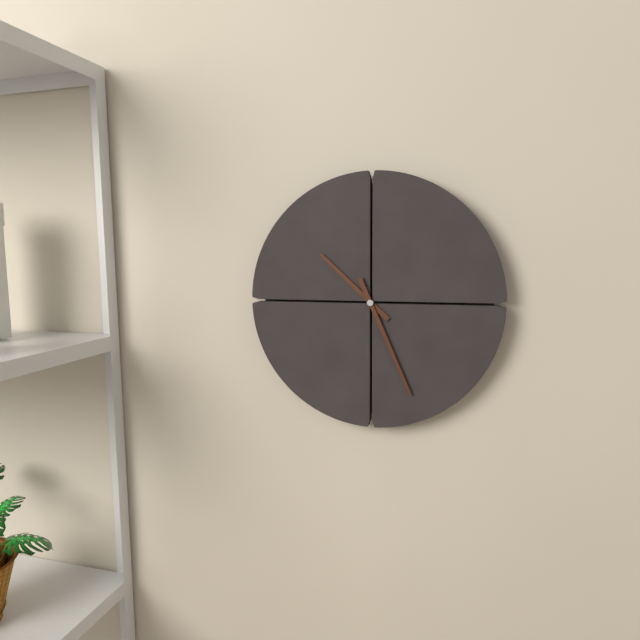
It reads 10h26
